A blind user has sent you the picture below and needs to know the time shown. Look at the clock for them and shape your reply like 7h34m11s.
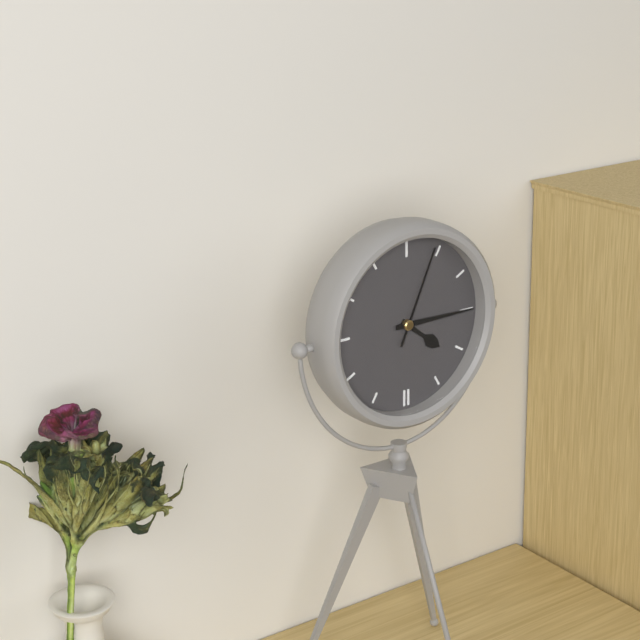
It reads 4h15m04s
